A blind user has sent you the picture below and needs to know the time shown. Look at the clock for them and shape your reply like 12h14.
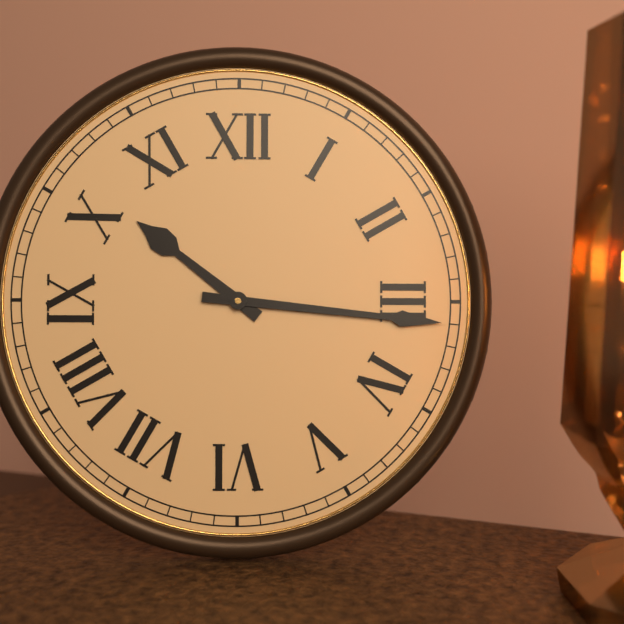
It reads 10h16
